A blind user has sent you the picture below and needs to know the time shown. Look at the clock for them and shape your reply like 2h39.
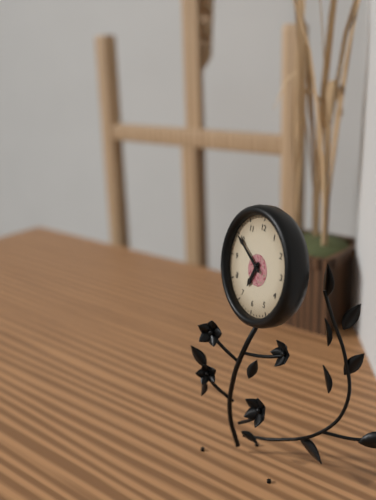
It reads 6h50
